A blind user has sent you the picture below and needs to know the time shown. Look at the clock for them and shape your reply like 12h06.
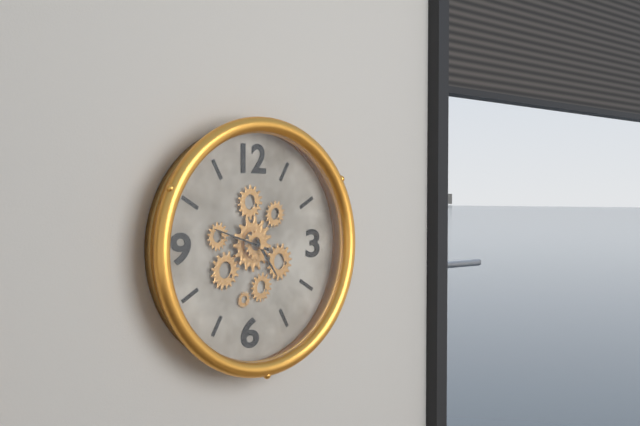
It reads 4h48
